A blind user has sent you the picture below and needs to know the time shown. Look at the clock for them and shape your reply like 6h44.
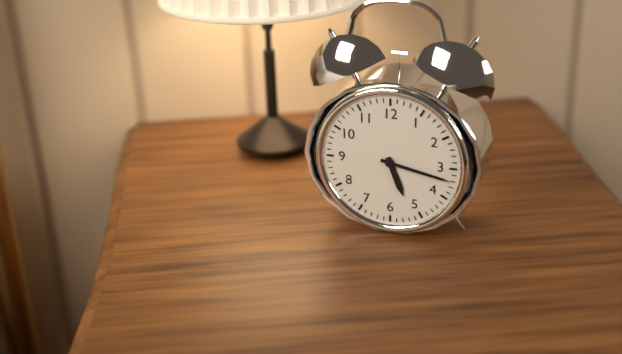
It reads 5h17
